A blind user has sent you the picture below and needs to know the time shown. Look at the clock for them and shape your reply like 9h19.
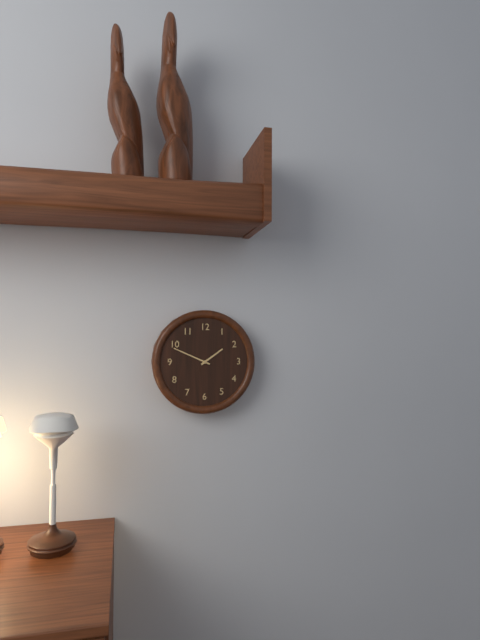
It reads 1h49
